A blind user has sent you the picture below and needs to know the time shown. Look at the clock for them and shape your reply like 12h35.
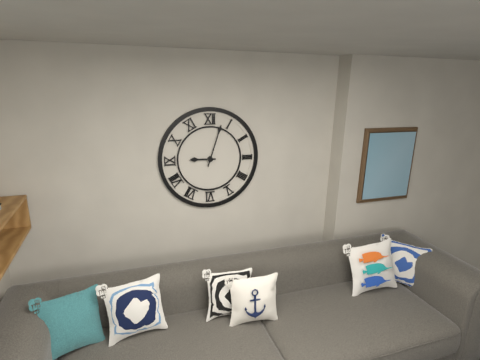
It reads 9h03
